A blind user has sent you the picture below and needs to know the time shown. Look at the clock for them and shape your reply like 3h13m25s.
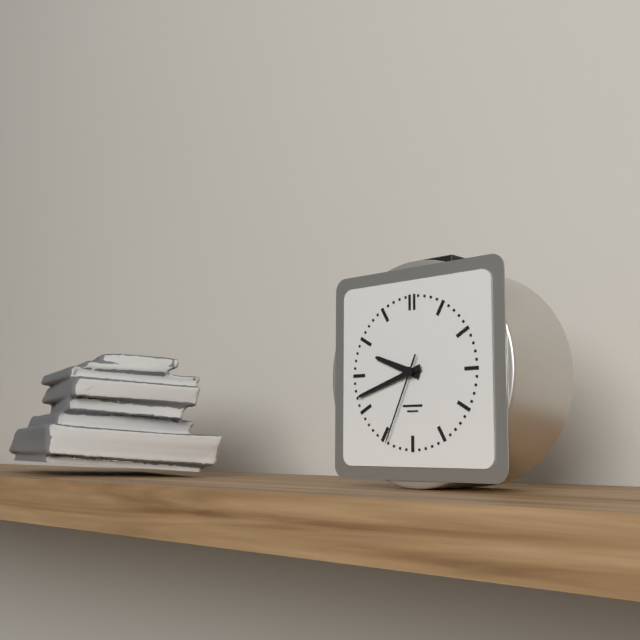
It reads 9h42m34s
